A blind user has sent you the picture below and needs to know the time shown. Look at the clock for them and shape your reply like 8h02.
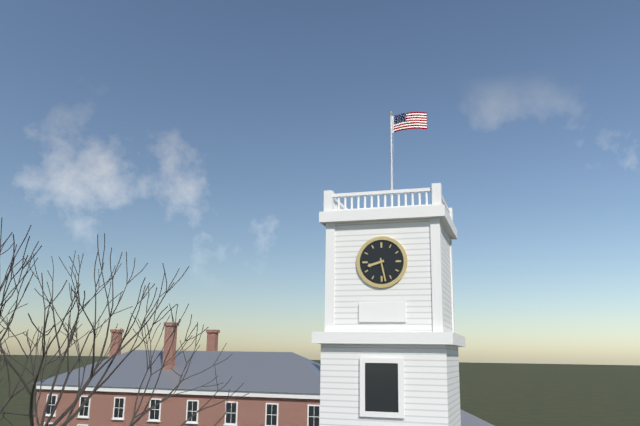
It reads 8h28
